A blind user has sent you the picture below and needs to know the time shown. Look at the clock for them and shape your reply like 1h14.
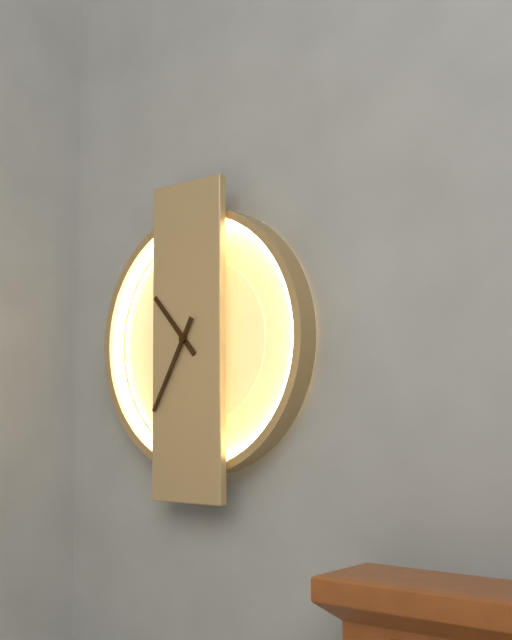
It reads 10h35
